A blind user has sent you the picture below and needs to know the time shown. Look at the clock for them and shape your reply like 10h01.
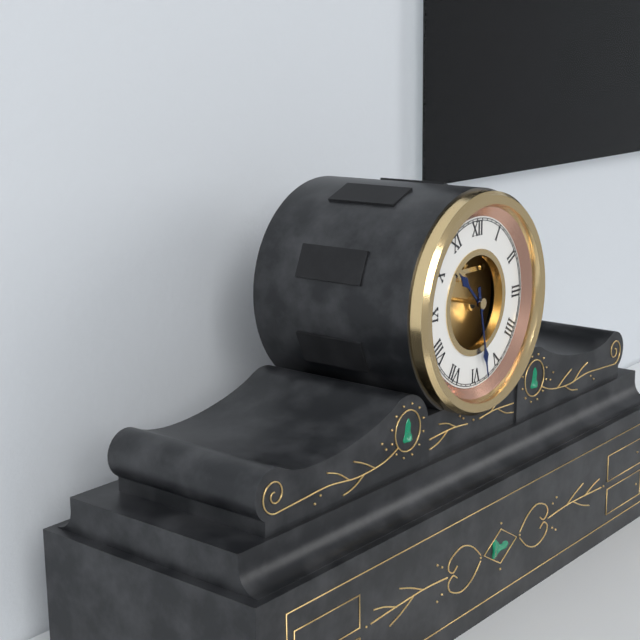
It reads 10h28
